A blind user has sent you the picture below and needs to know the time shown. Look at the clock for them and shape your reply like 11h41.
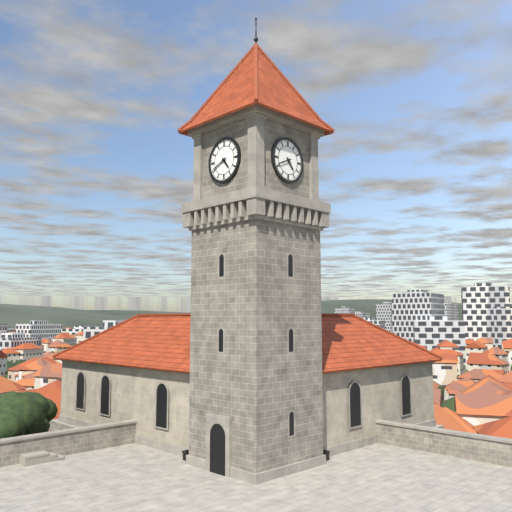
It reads 4h41
